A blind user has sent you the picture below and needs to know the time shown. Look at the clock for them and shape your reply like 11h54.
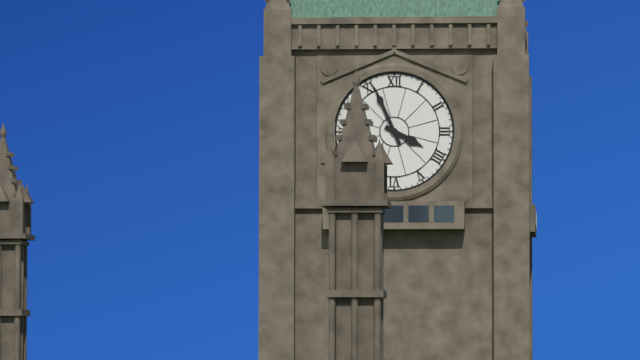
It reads 3h56
